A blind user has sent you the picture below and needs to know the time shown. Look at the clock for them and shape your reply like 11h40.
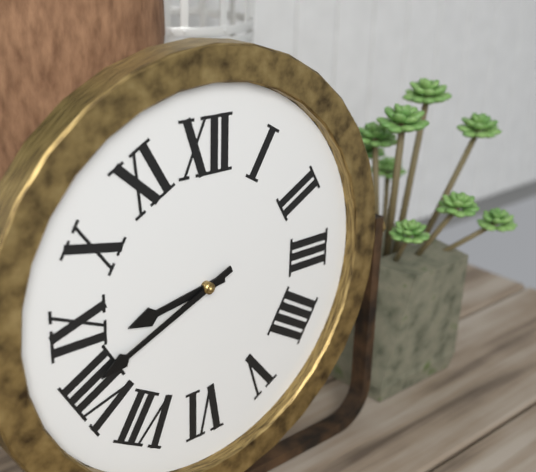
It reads 8h41
